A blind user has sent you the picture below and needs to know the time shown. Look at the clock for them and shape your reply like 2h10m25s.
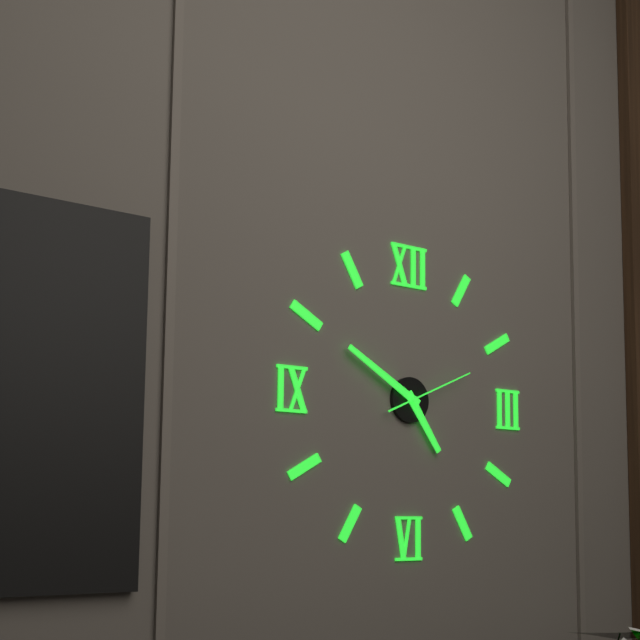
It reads 4h50m11s
